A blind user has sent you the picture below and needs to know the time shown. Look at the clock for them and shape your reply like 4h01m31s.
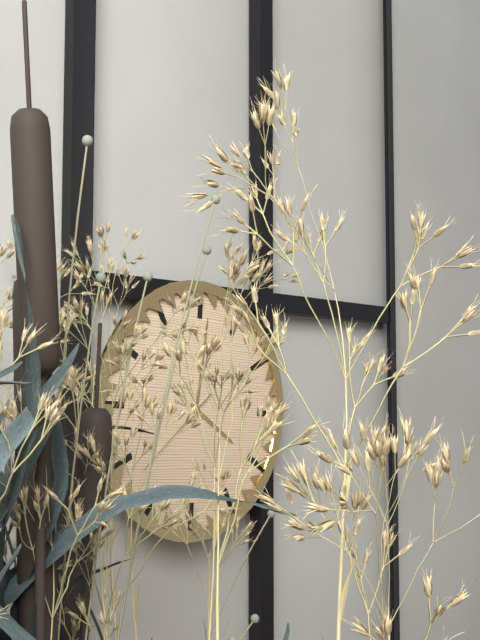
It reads 4h01m38s
